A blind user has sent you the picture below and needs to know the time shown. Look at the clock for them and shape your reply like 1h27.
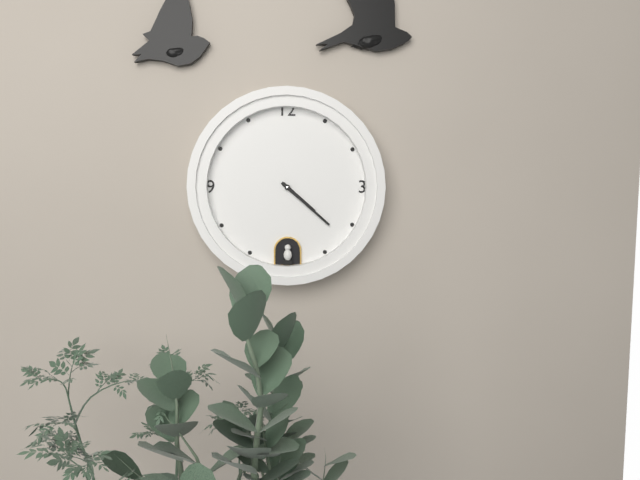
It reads 4h22
